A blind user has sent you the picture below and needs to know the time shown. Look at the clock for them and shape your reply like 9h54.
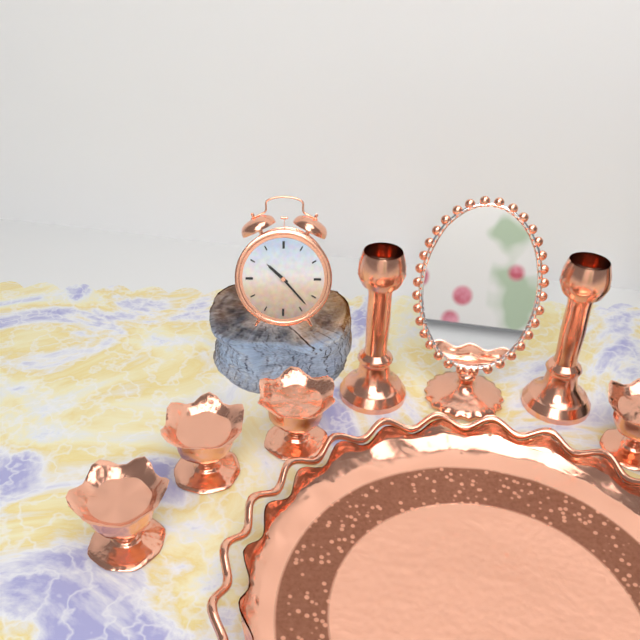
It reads 10h23
